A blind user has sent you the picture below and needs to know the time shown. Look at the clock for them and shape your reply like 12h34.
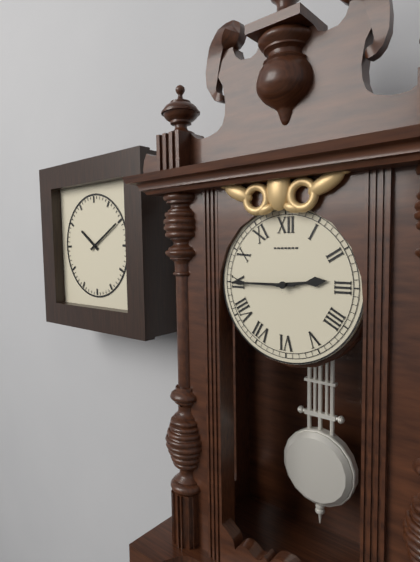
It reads 2h45
